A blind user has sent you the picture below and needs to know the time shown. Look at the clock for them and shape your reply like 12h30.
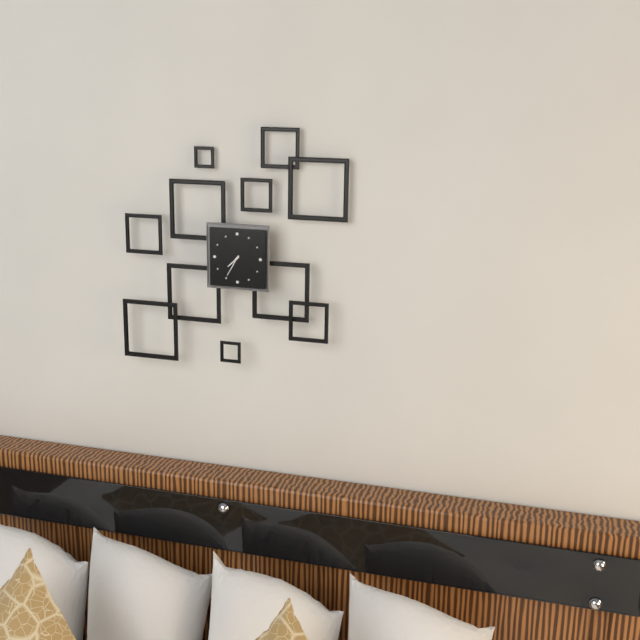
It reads 7h35
